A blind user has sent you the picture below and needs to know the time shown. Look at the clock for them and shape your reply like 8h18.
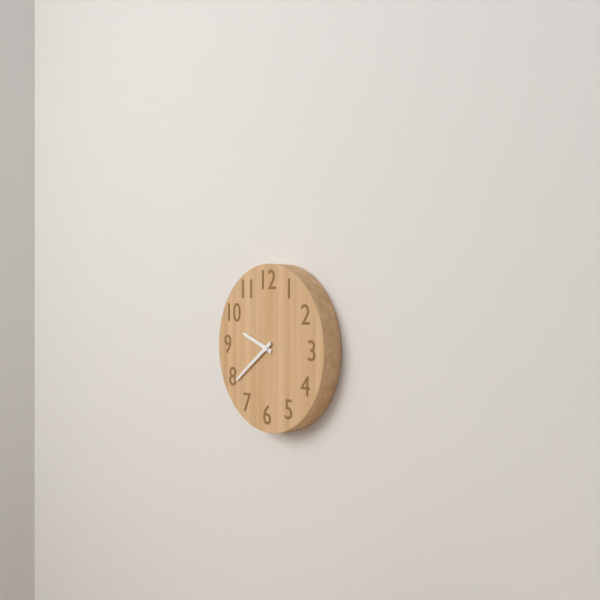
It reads 9h39
